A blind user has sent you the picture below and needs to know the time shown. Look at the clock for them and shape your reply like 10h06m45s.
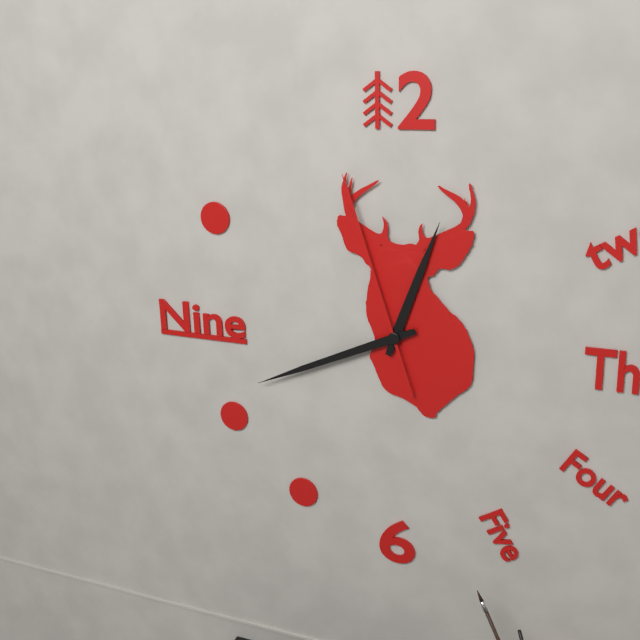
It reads 12h41m57s
